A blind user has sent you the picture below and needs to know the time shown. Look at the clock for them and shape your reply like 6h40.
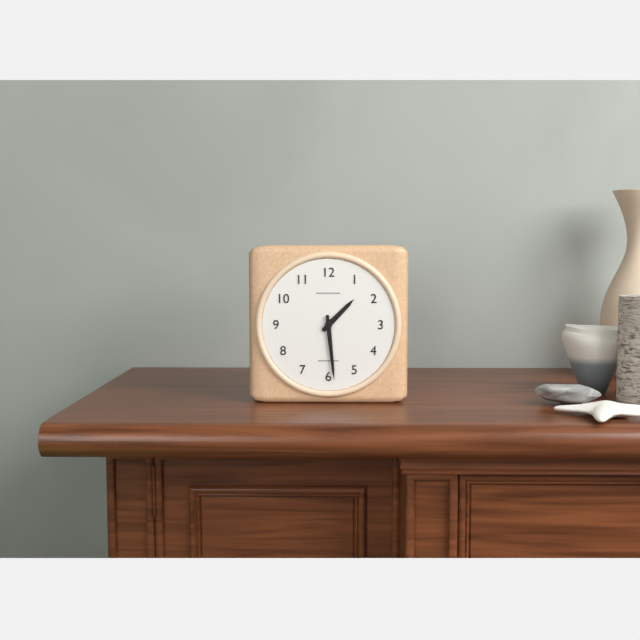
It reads 1h29
